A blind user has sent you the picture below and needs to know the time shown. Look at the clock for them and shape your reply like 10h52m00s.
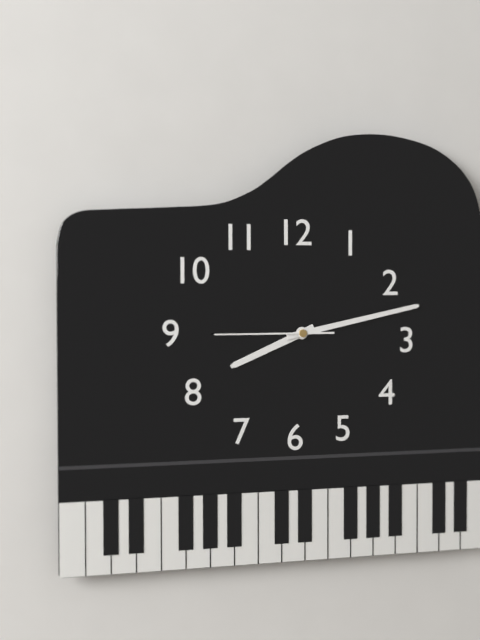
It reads 8h13m45s
